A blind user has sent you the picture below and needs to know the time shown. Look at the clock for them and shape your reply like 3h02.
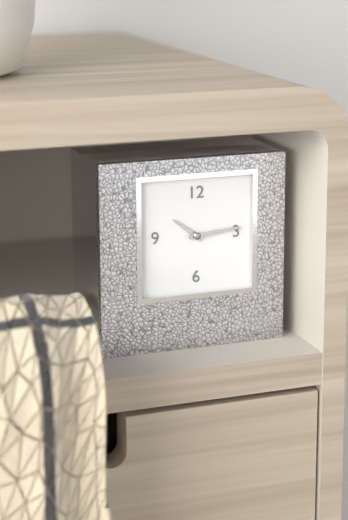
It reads 10h14
